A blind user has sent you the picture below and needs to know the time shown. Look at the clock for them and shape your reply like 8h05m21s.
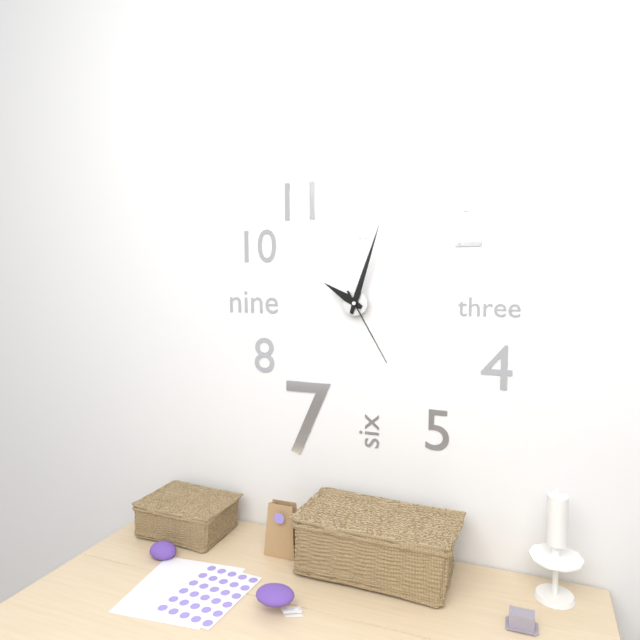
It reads 10h03m25s
